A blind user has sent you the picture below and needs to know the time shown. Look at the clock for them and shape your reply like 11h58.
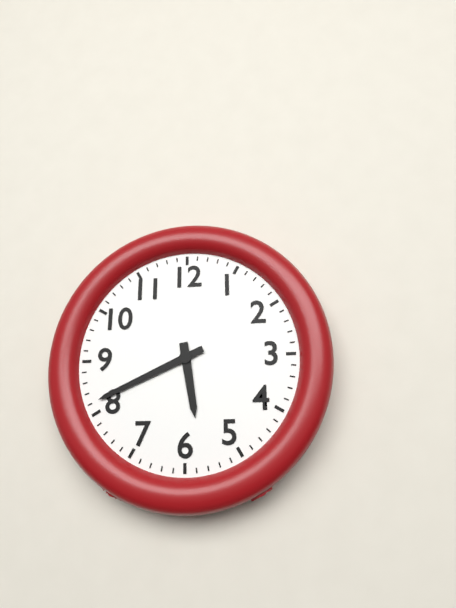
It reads 5h41
